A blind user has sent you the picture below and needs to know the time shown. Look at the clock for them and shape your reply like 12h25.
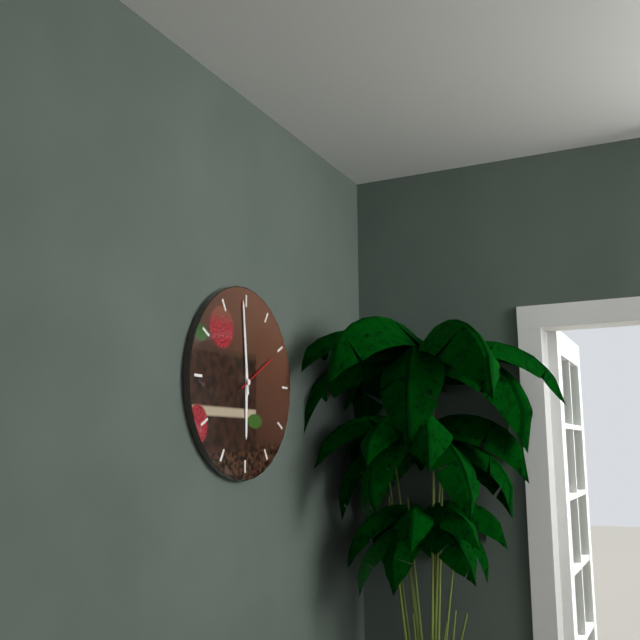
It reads 5h59
